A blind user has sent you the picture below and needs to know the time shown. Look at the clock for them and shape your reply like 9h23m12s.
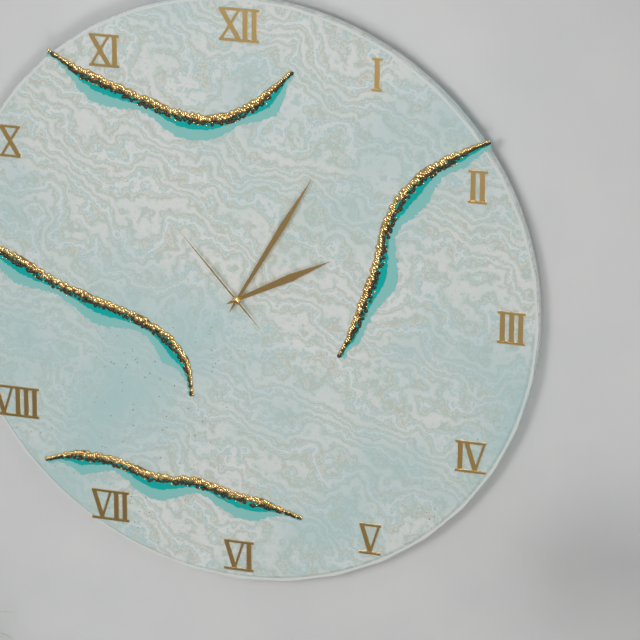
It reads 2h05m53s
